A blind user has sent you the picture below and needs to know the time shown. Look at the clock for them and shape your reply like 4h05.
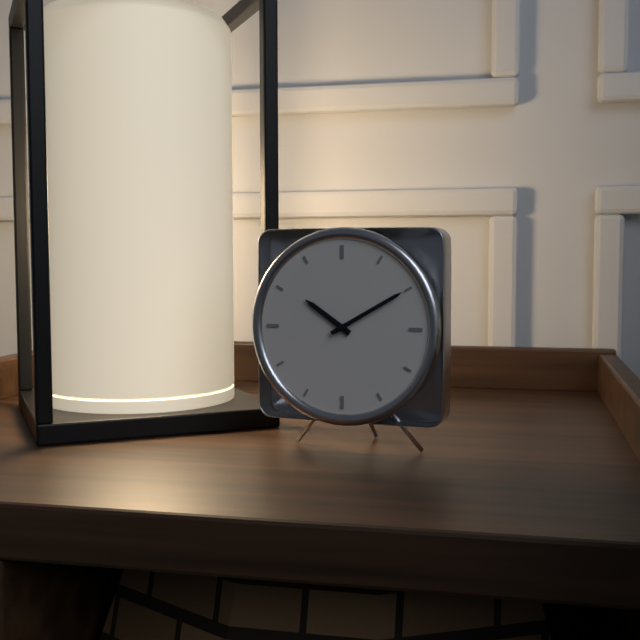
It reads 10h10
